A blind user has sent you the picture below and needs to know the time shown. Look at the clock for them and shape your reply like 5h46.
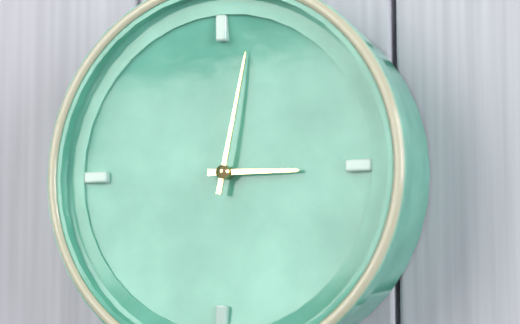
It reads 3h02
